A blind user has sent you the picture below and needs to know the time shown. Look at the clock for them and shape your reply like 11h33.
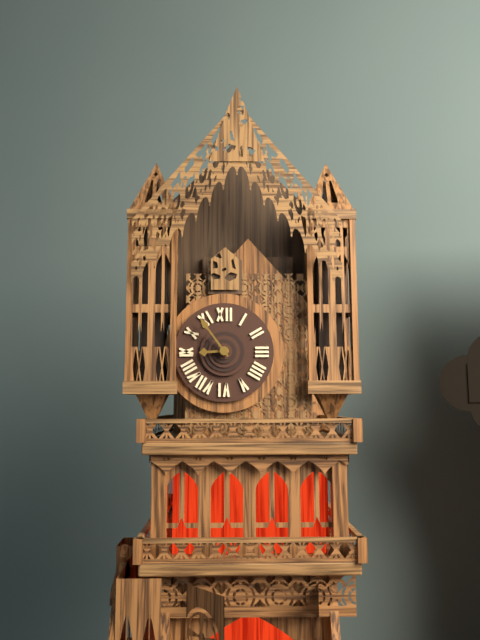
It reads 8h54
